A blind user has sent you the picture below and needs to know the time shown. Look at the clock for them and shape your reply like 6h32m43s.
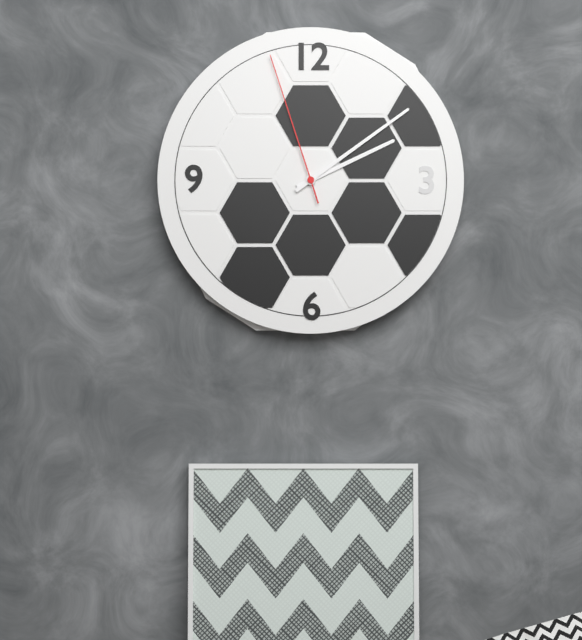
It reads 2h09m57s
